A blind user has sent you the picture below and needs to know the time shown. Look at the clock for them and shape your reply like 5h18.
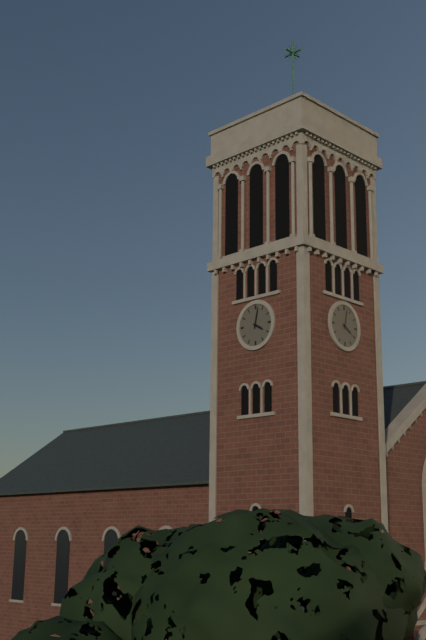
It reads 4h02
